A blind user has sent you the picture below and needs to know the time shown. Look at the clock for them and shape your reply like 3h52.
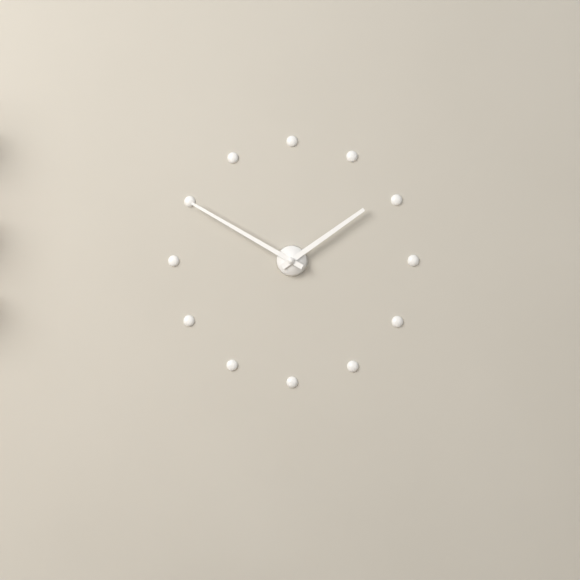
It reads 1h50
